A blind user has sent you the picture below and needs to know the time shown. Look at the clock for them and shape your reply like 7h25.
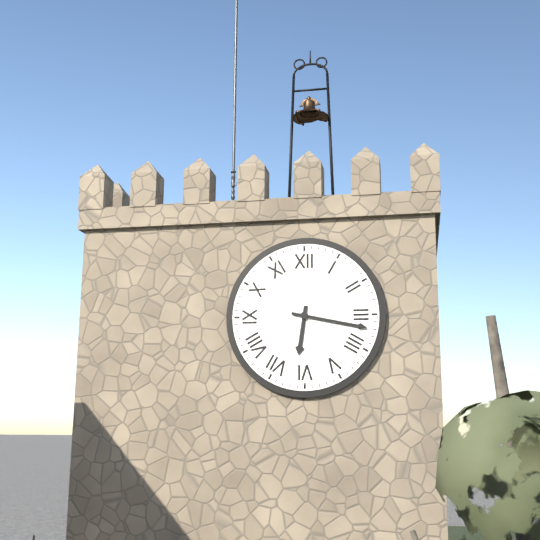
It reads 6h17
